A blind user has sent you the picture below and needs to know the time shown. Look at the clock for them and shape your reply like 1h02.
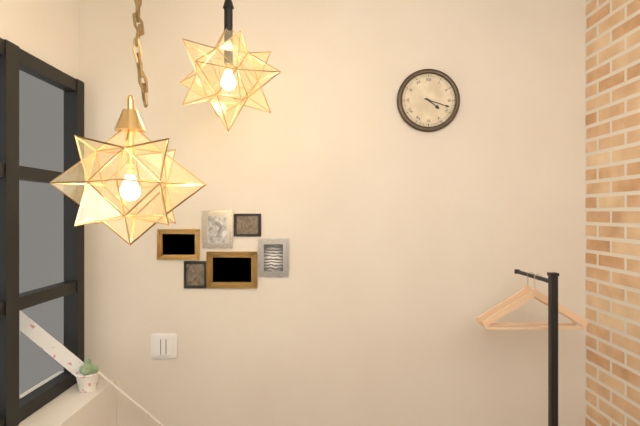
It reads 4h18
